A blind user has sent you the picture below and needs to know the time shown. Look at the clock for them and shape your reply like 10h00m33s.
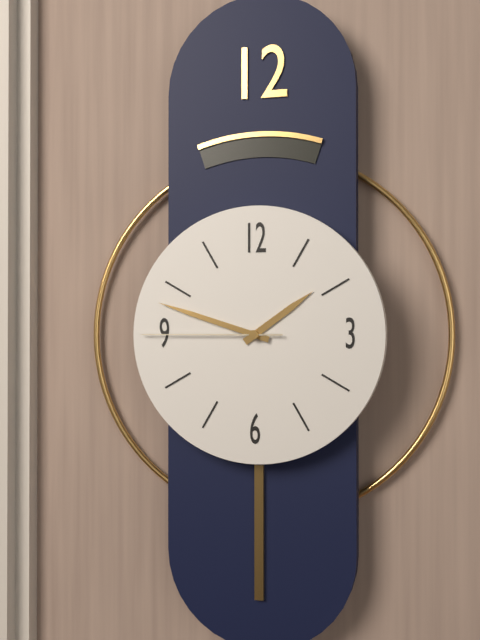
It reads 1h48m45s
